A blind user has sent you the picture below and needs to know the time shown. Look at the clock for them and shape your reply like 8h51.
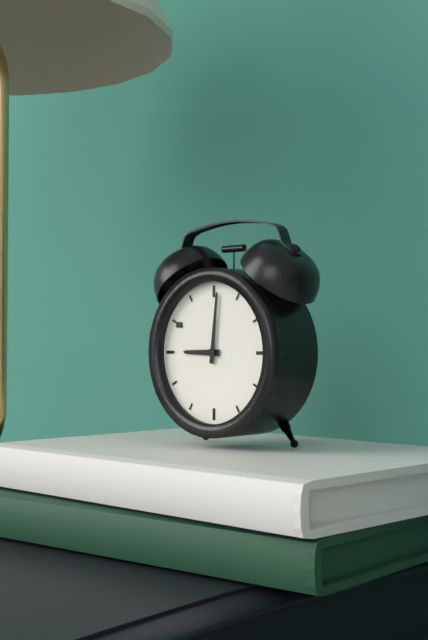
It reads 9h01
